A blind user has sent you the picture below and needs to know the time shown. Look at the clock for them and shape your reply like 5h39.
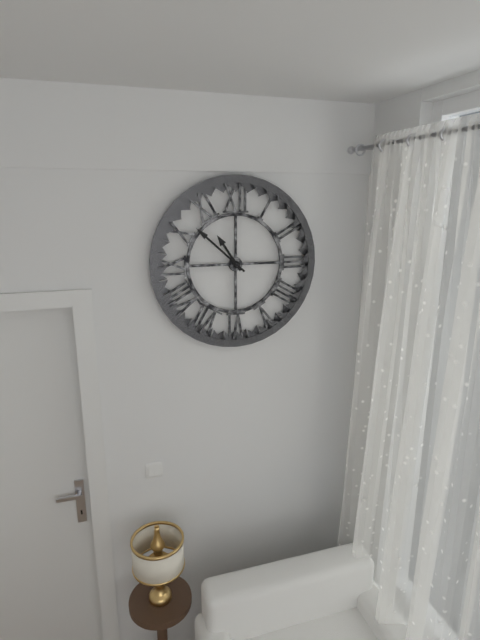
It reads 10h52
